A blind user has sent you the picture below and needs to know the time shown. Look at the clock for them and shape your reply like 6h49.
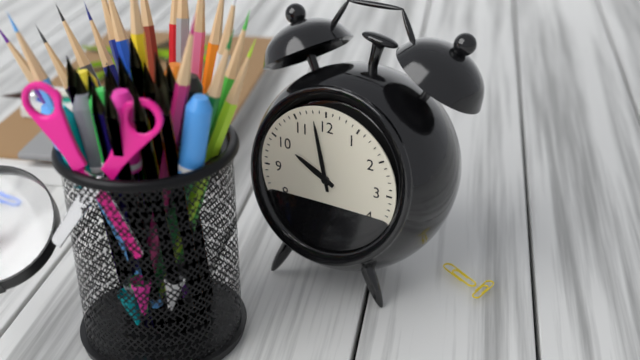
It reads 9h58
